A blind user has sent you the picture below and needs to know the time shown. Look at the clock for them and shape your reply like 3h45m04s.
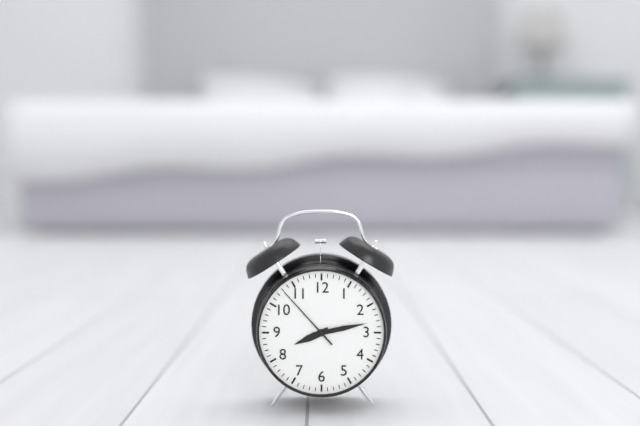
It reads 8h13m53s
